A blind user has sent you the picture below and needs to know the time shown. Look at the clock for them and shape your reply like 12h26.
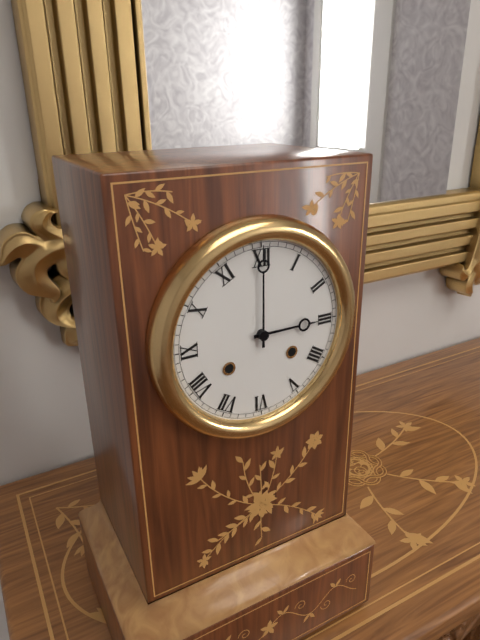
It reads 3h00
